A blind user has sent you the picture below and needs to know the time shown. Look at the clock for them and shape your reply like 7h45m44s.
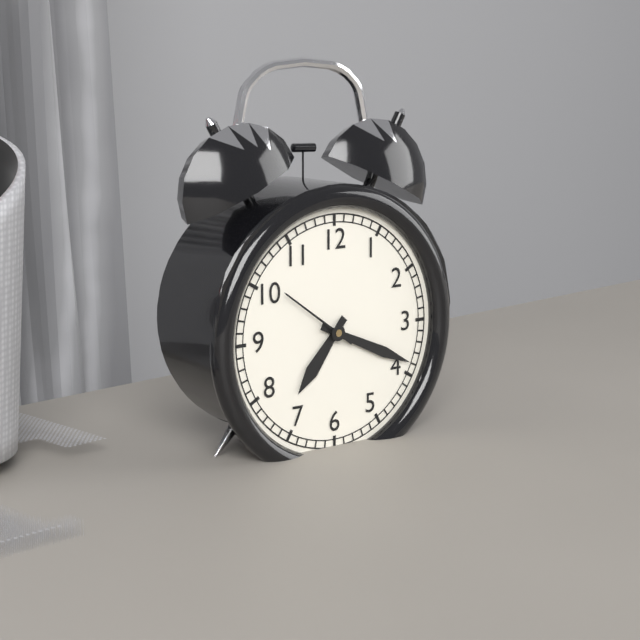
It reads 7h19m51s
